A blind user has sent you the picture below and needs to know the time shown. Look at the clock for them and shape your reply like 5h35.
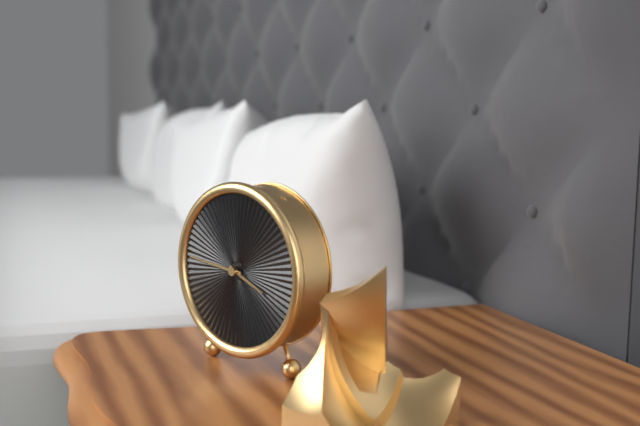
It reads 3h46
